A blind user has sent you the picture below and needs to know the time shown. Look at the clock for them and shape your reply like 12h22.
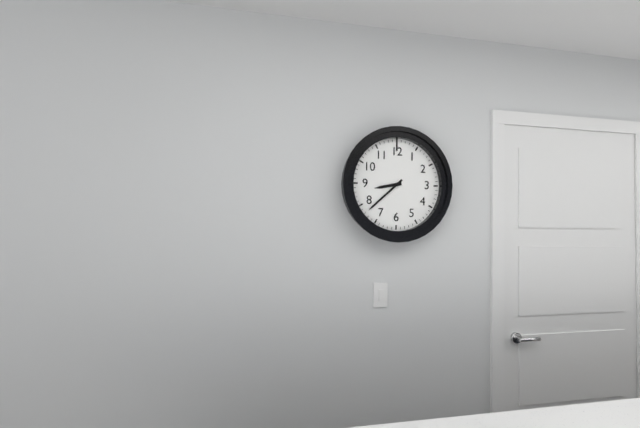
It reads 8h38
